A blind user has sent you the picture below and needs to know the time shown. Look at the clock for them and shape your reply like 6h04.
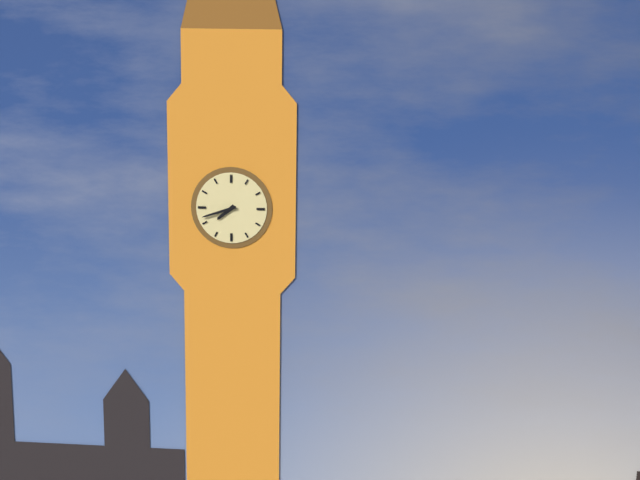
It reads 7h42
